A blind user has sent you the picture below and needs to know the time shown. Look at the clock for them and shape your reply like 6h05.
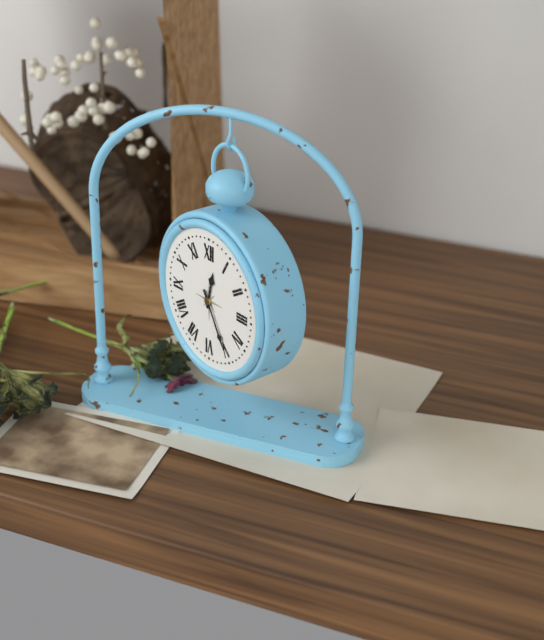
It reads 12h25
